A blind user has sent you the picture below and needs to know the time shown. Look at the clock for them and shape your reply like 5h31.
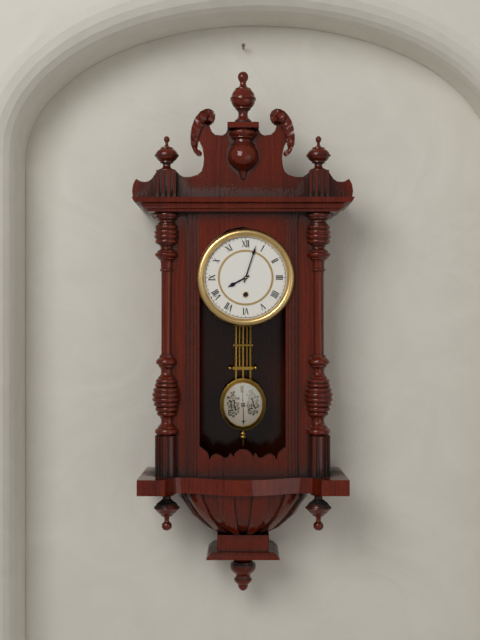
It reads 8h03
